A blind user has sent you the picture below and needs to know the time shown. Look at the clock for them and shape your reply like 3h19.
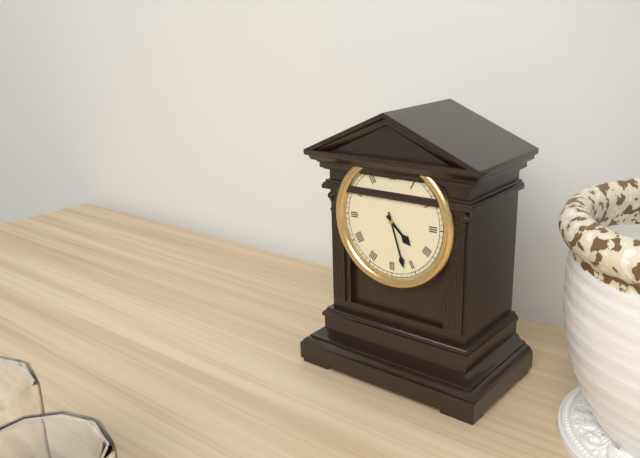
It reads 4h27
